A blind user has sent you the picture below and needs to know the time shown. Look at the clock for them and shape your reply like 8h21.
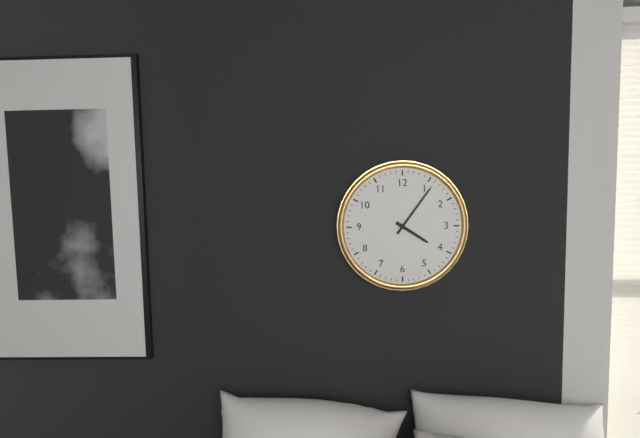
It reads 4h06
